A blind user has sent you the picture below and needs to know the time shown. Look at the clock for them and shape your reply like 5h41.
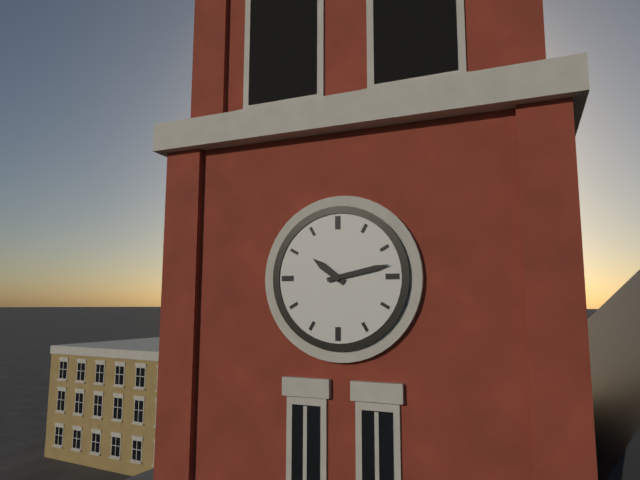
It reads 10h13
